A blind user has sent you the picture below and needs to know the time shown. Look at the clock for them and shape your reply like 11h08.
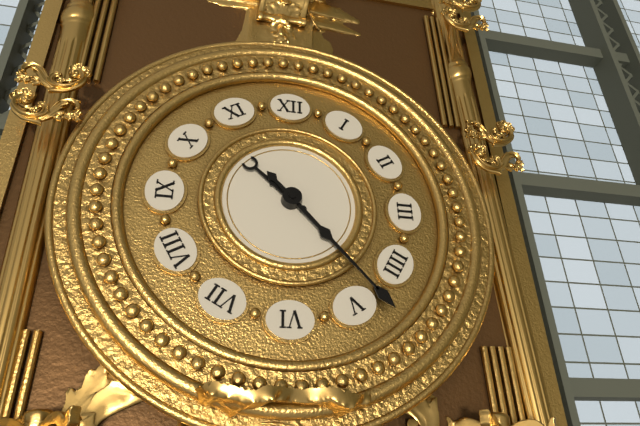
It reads 10h23
